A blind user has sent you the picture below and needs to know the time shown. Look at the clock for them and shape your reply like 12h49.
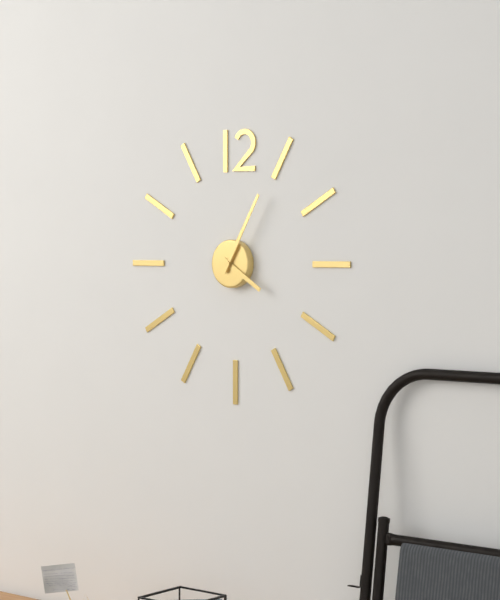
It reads 4h05
